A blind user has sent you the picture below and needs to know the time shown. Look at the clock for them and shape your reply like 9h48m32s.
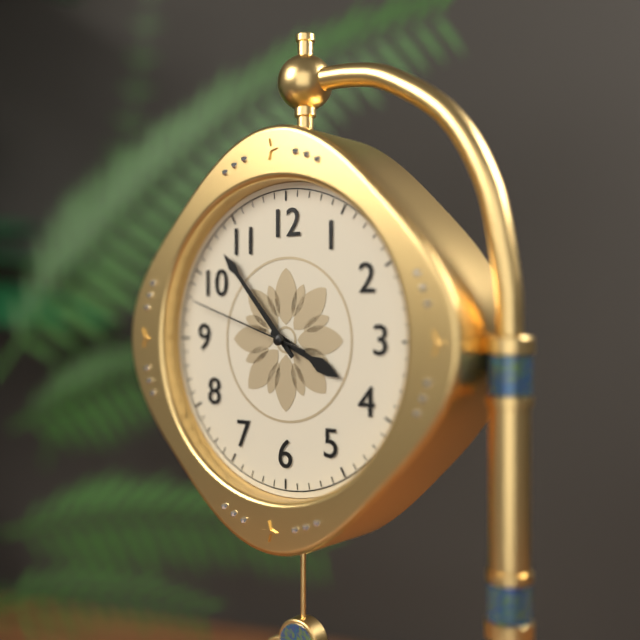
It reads 3h53m48s
